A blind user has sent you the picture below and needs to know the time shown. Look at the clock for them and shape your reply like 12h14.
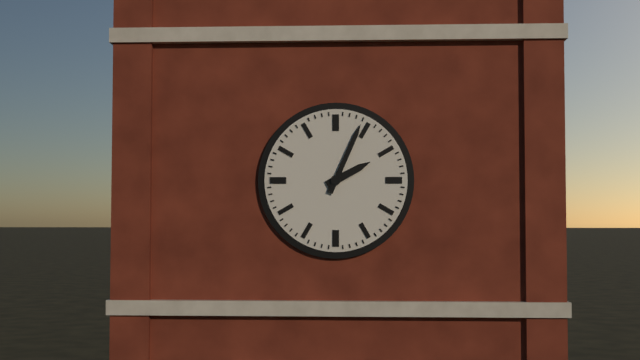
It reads 2h04
